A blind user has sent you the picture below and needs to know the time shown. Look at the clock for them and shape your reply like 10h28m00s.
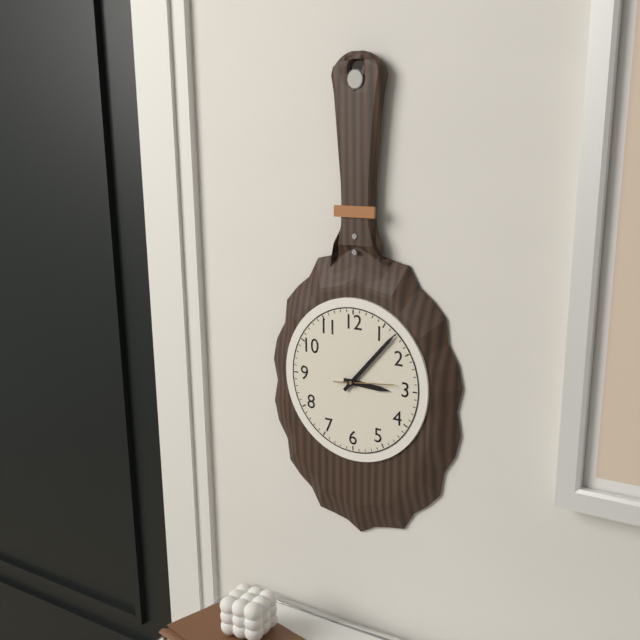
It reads 3h07m14s
